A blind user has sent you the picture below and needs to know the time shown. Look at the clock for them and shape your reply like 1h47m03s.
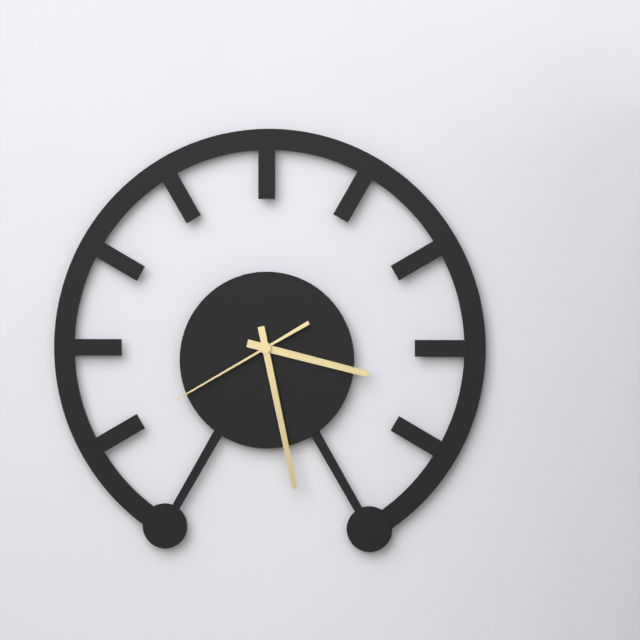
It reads 3h28m40s
